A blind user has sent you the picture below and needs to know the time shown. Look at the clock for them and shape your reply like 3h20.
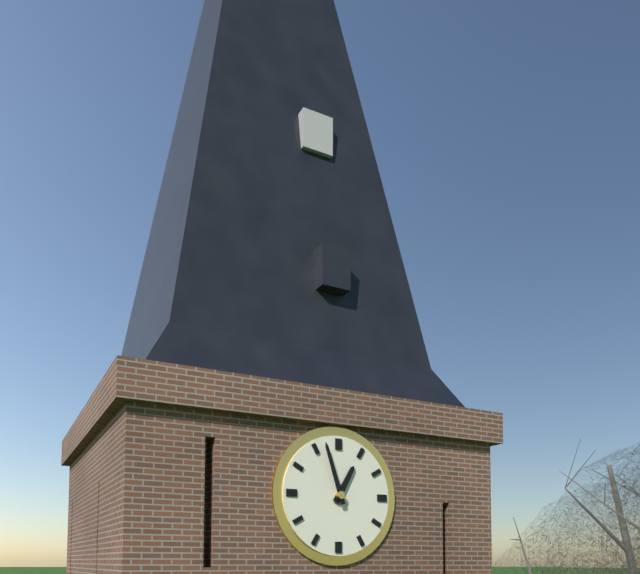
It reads 12h57
